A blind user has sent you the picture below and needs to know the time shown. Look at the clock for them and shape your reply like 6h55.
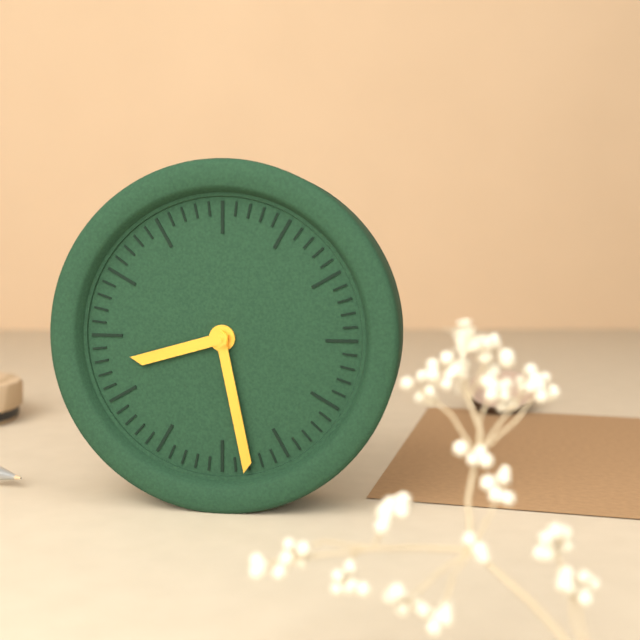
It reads 8h28
